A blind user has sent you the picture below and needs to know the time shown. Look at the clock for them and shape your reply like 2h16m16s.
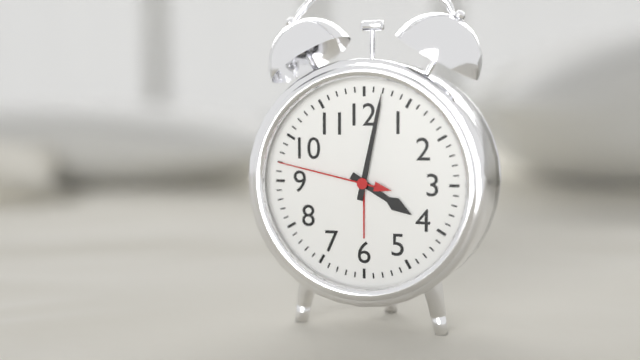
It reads 4h02m47s
